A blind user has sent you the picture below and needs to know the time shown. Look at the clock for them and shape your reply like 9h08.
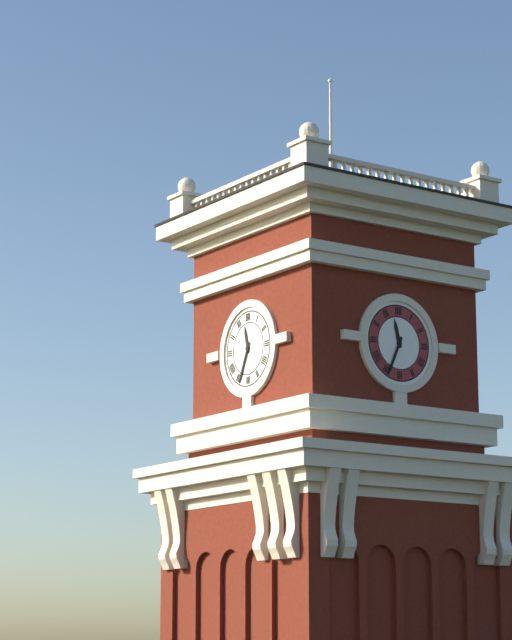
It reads 11h34
